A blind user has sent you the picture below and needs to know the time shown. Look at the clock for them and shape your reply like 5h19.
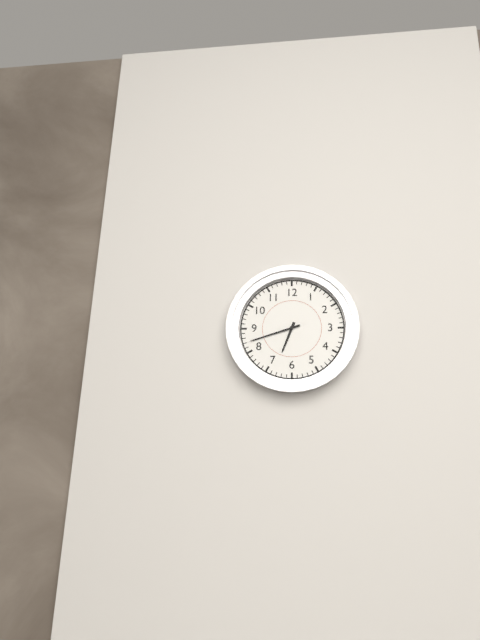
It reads 6h42
